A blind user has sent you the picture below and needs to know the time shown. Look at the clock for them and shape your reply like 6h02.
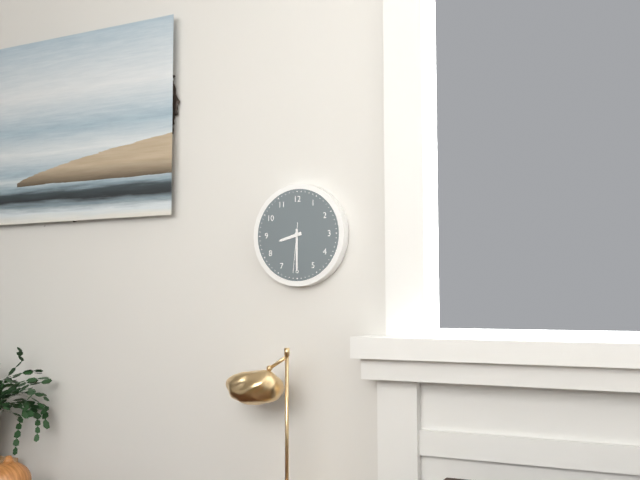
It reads 8h30
